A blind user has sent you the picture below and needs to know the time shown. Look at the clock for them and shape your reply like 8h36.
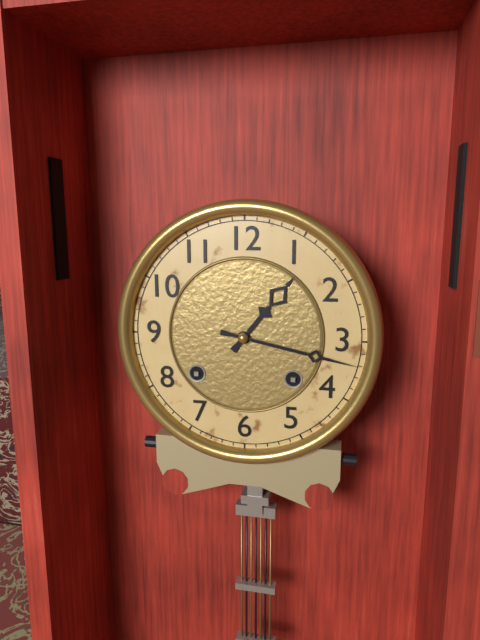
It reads 1h17
